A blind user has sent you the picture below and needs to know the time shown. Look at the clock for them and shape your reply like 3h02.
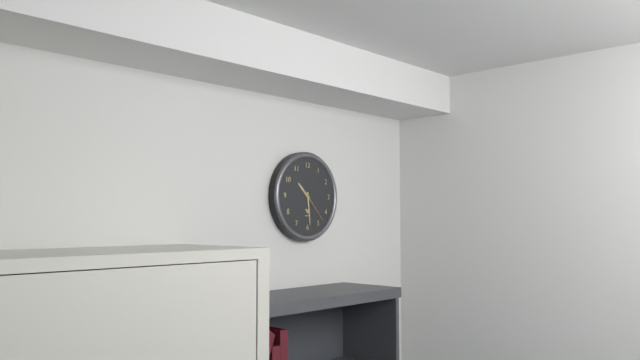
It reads 10h29
